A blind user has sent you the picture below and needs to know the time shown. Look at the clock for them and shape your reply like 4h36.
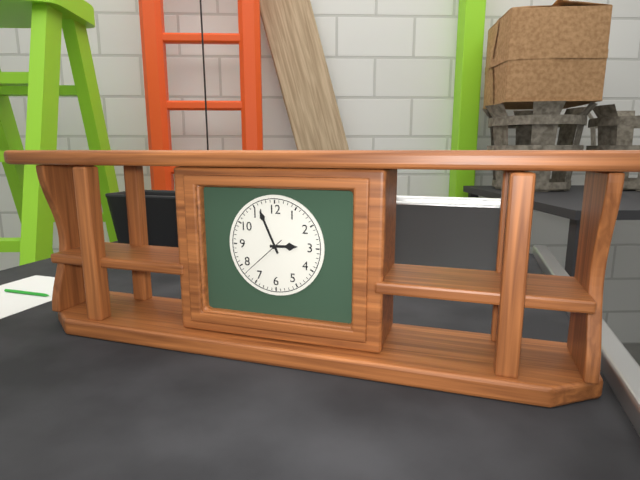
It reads 2h56
